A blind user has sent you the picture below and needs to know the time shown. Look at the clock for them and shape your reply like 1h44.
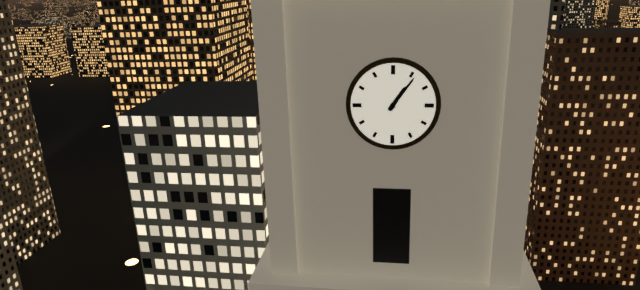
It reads 1h06
